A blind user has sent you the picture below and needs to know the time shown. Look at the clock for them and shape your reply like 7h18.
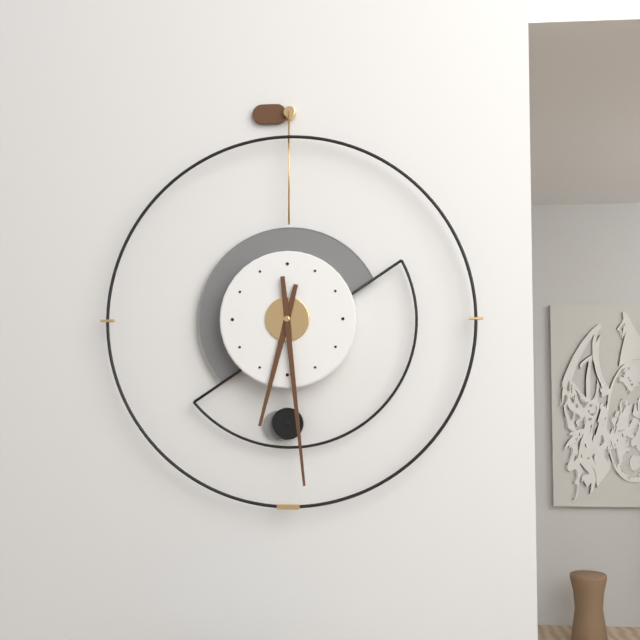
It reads 6h29
